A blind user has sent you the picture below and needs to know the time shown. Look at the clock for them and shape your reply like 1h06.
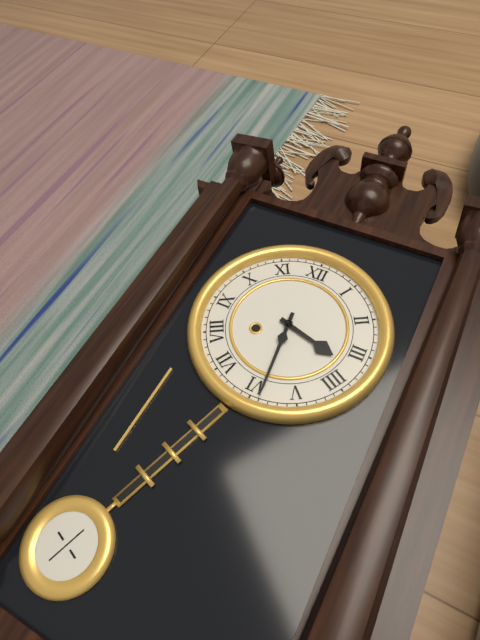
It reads 3h29
